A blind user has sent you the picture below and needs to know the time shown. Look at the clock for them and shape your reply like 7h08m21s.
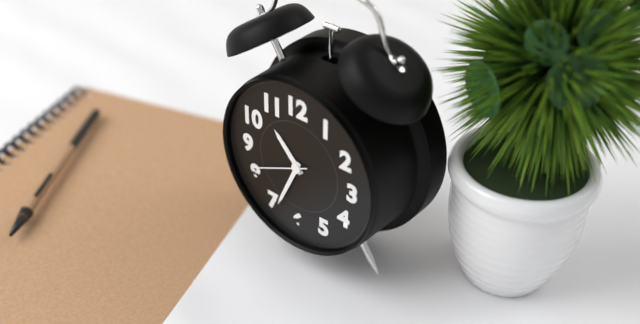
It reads 10h34m41s
